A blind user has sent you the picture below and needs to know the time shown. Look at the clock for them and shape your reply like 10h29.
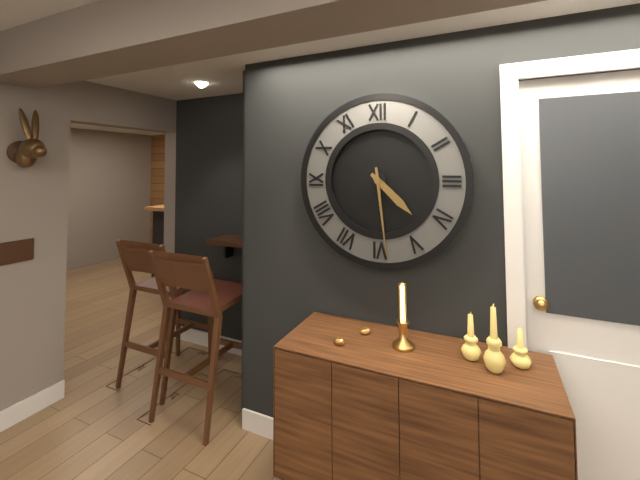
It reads 4h29
